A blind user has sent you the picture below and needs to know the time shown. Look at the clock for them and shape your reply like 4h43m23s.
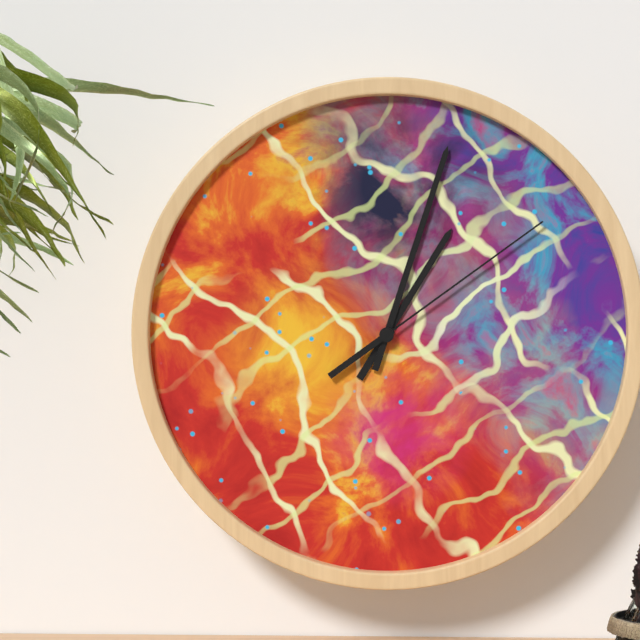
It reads 1h03m09s
